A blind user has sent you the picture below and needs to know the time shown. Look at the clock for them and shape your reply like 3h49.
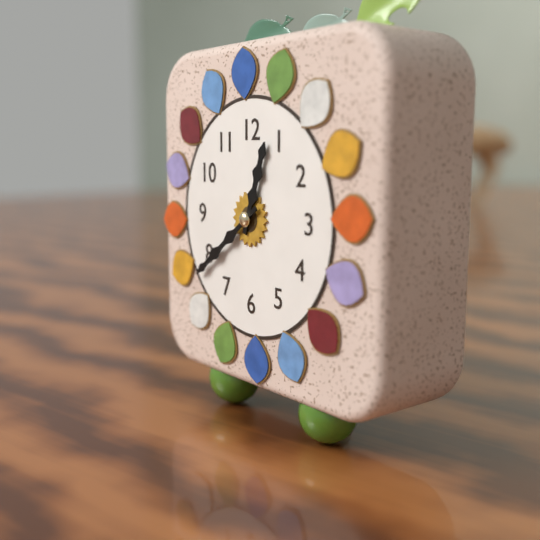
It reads 12h39
